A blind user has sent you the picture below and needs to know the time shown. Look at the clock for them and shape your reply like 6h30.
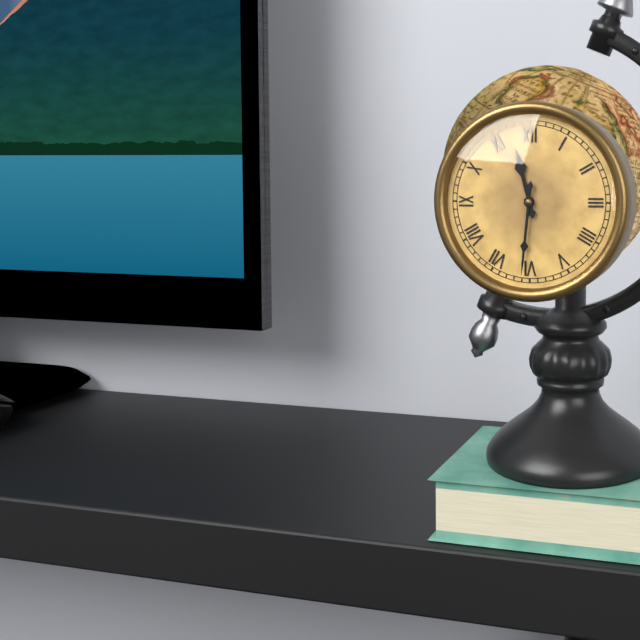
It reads 11h31
